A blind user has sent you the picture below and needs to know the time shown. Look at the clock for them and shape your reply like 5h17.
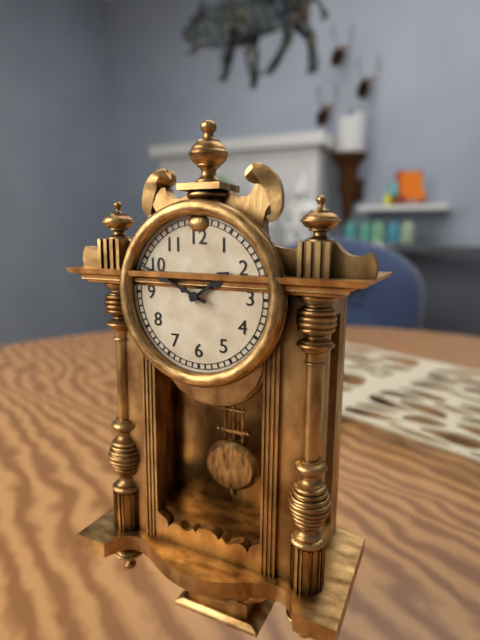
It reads 1h49
